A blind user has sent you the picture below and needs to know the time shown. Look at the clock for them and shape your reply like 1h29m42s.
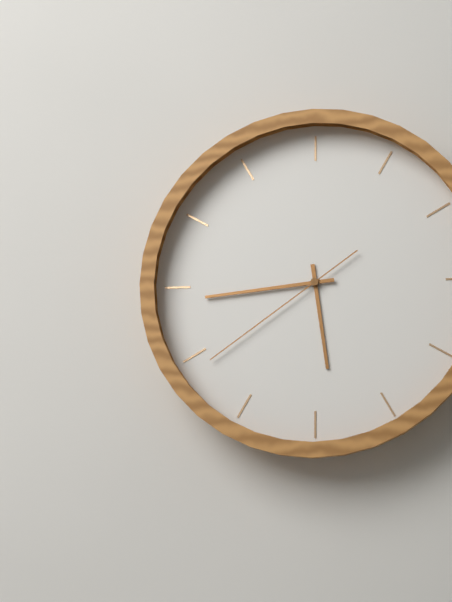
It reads 5h44m39s
